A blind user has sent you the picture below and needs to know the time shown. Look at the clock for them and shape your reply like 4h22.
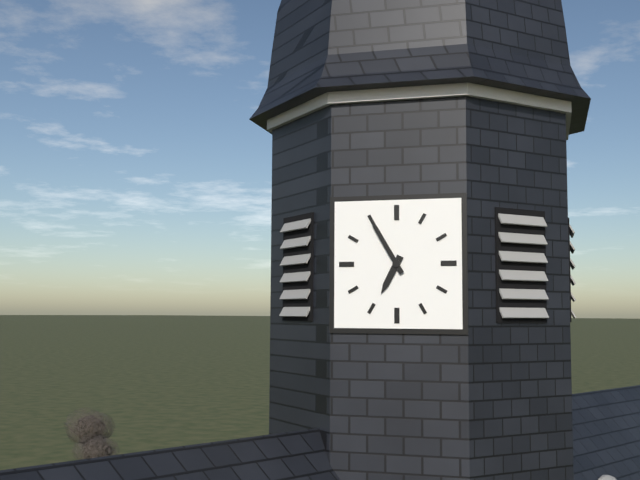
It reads 6h55
